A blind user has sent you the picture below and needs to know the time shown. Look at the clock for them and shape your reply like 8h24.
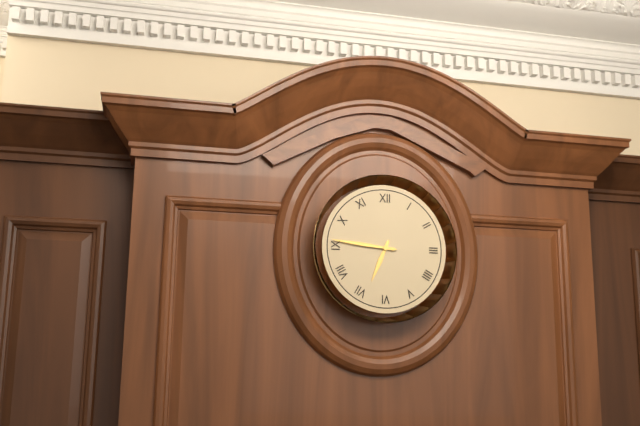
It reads 6h46
